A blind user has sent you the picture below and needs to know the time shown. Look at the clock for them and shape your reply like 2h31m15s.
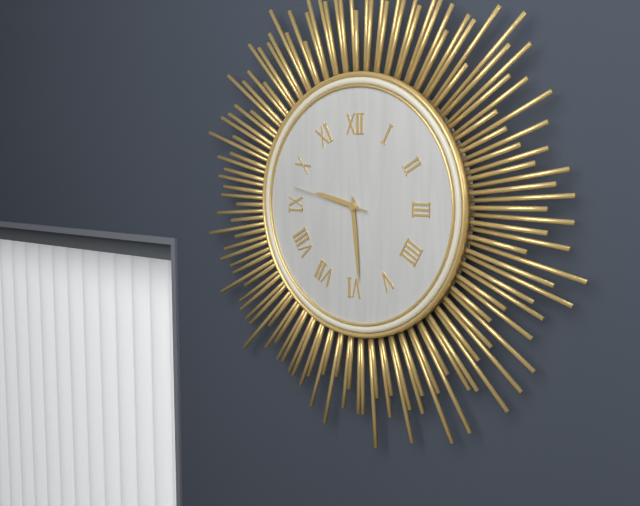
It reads 9h29m47s
